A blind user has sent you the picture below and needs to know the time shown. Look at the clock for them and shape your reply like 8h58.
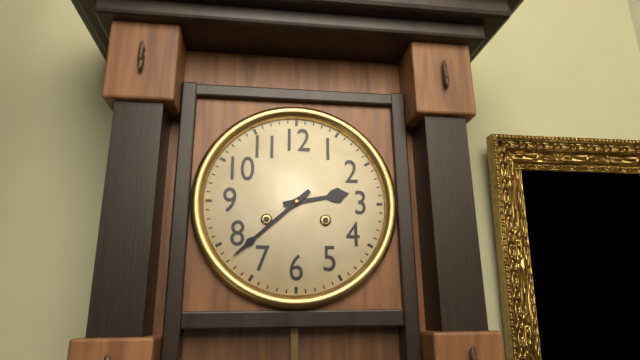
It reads 2h38
